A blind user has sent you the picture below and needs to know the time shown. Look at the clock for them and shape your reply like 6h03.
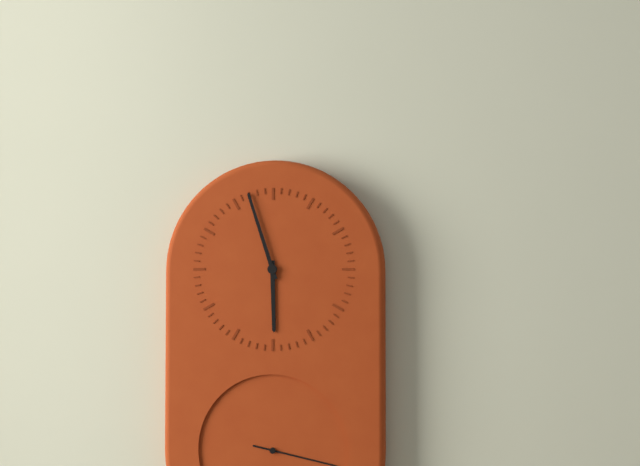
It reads 5h57
